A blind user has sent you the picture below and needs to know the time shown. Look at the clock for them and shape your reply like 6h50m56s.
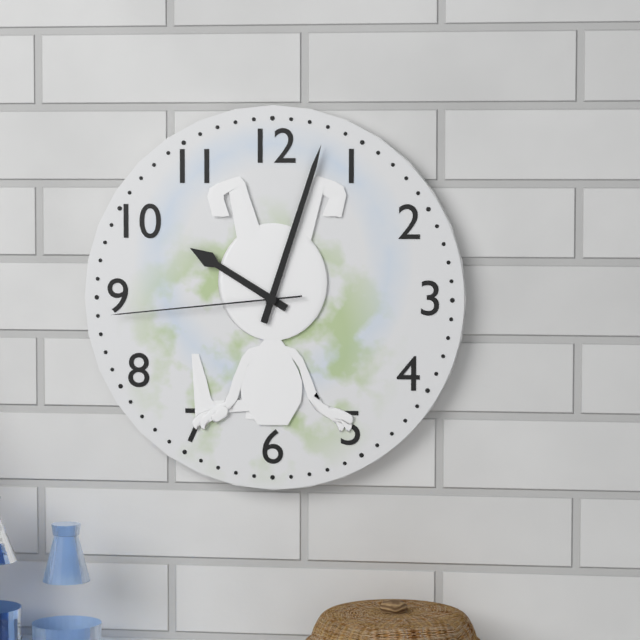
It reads 10h03m44s
